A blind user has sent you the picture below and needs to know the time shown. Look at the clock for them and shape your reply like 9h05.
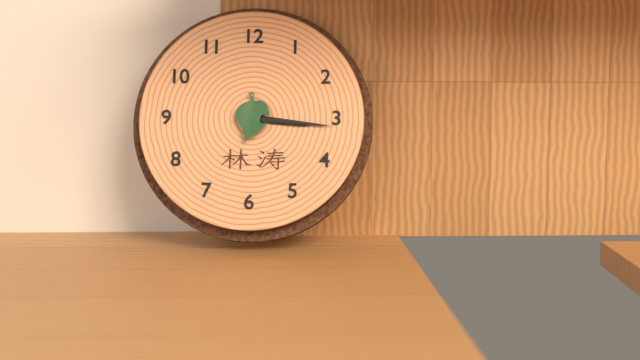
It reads 3h16
